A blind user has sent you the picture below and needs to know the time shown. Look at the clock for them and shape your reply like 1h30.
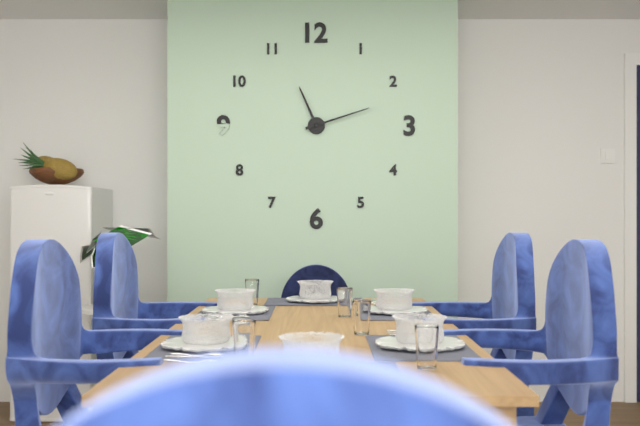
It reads 11h12
